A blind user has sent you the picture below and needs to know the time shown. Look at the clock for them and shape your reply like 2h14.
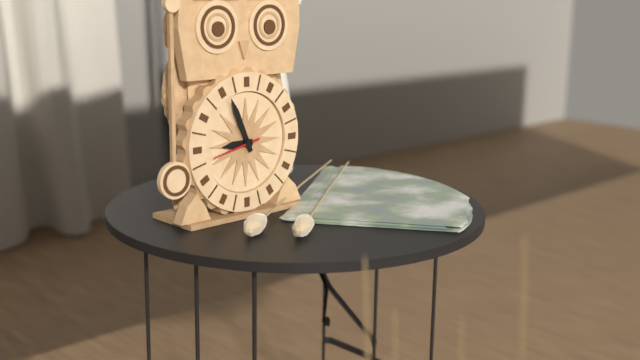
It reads 8h56
